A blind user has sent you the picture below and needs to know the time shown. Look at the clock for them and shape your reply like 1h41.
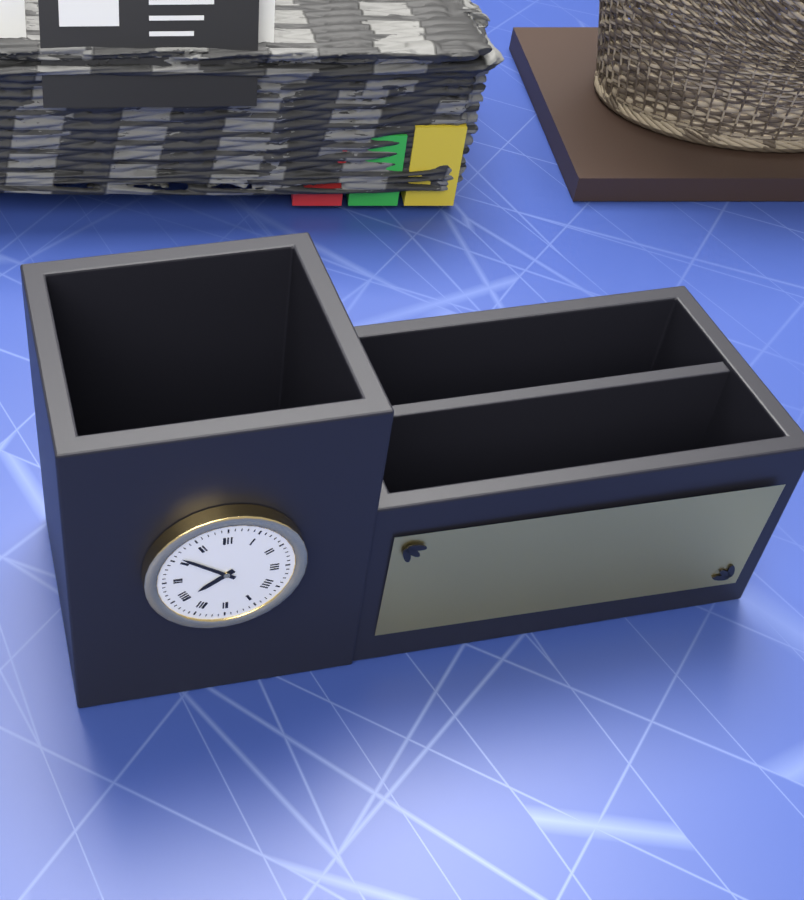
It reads 7h51
